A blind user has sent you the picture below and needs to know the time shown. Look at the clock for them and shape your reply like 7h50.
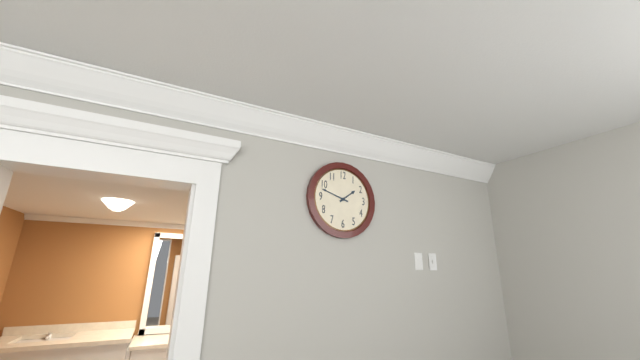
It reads 1h48
